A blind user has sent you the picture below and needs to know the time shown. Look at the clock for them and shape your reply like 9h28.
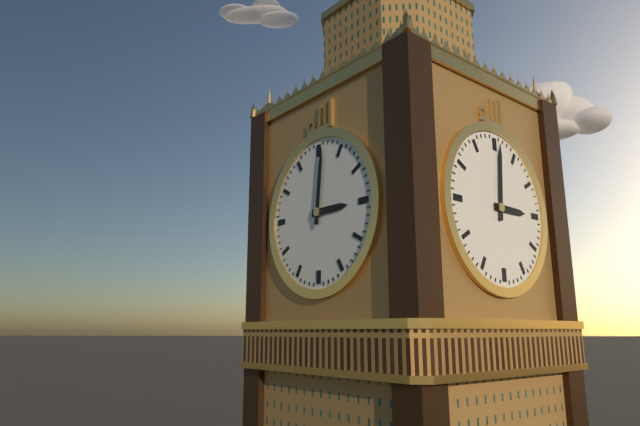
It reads 3h01
